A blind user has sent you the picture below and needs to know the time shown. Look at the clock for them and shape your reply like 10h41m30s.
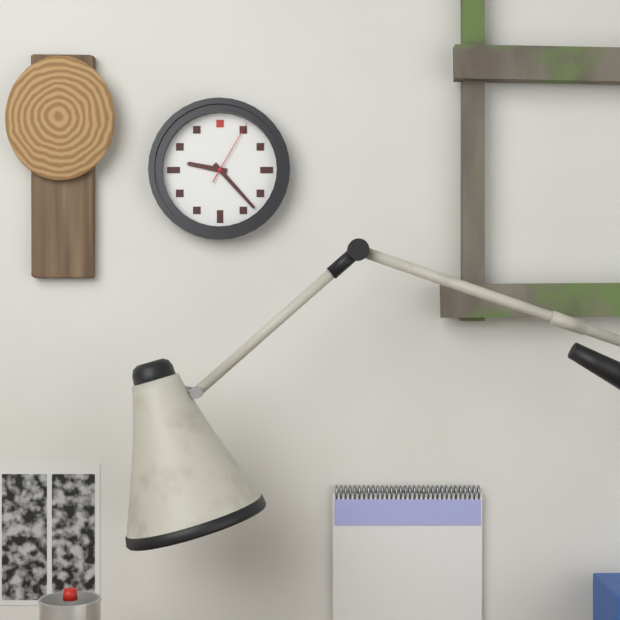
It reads 9h23m05s
